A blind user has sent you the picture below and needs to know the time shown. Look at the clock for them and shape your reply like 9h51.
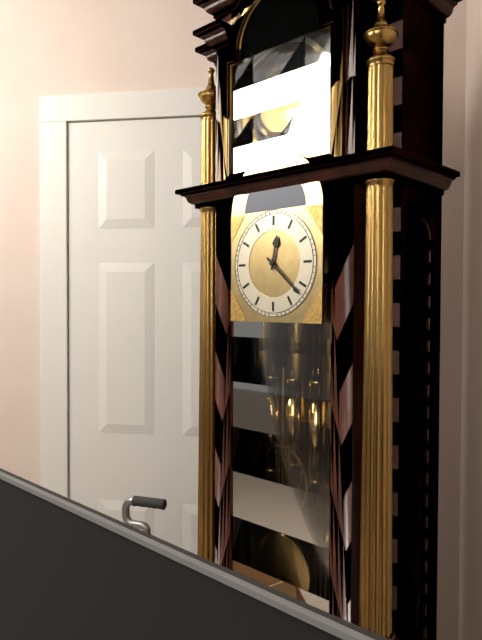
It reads 12h22
